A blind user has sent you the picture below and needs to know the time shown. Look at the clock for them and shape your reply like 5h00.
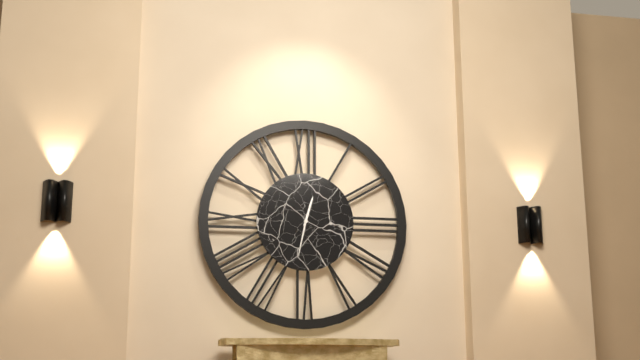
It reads 12h32
